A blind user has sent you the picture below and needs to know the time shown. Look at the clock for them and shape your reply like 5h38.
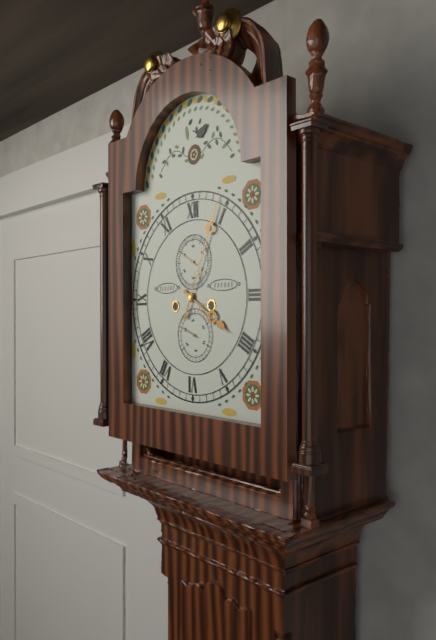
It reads 4h04
